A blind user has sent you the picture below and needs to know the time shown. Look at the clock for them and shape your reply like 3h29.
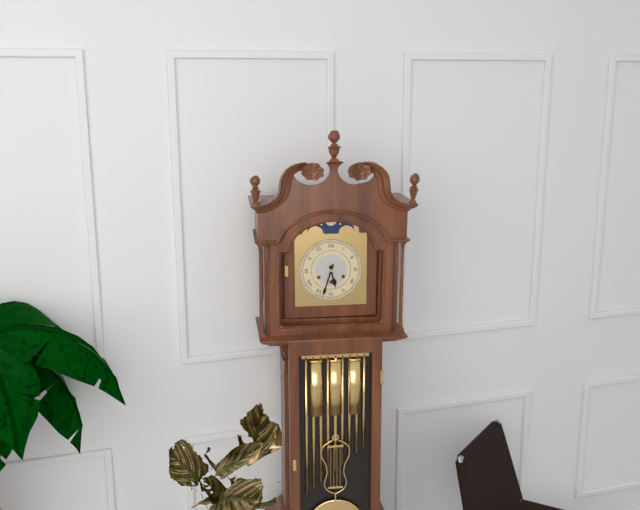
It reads 5h33
